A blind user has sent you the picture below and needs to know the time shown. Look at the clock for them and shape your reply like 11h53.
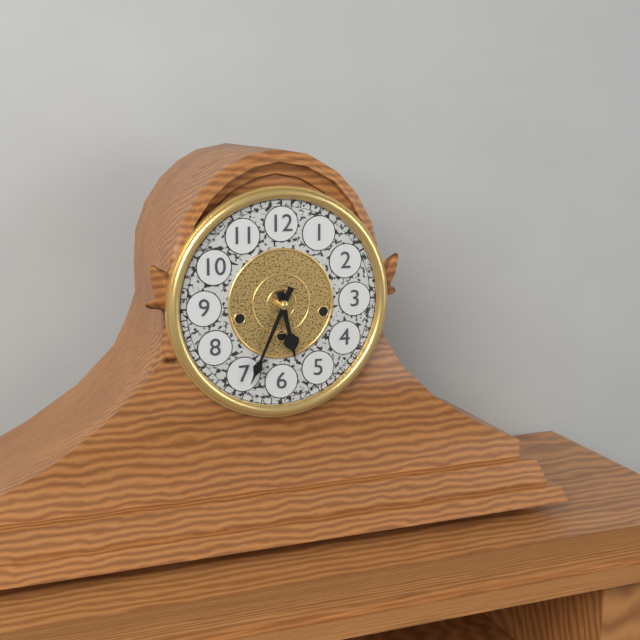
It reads 5h34
